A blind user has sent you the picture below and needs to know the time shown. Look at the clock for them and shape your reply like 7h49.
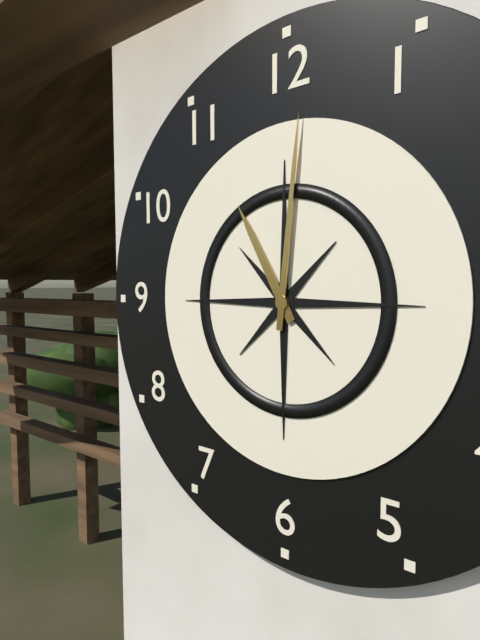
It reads 11h01
